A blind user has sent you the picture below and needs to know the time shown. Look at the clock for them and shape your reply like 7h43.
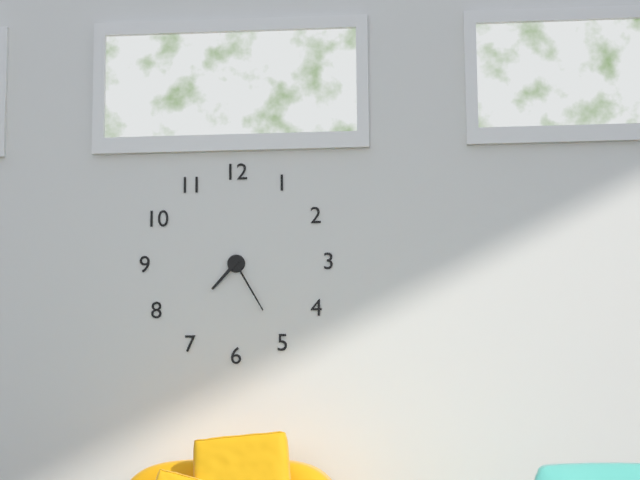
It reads 7h25
